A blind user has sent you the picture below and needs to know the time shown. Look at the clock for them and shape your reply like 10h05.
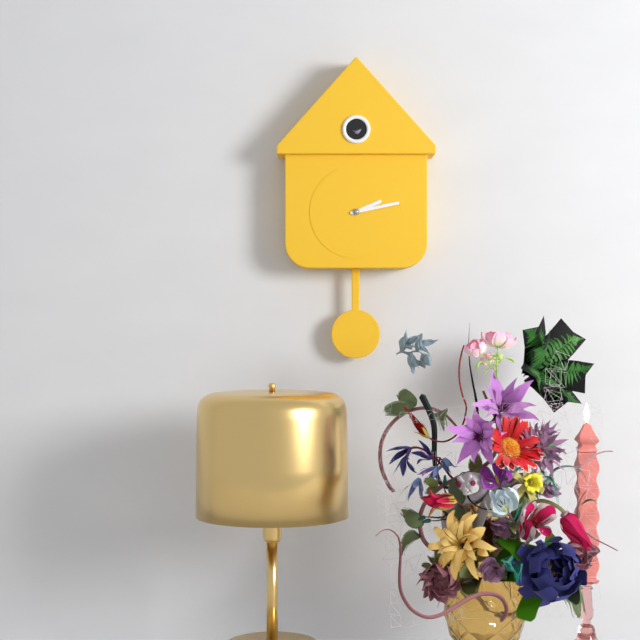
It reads 2h13
